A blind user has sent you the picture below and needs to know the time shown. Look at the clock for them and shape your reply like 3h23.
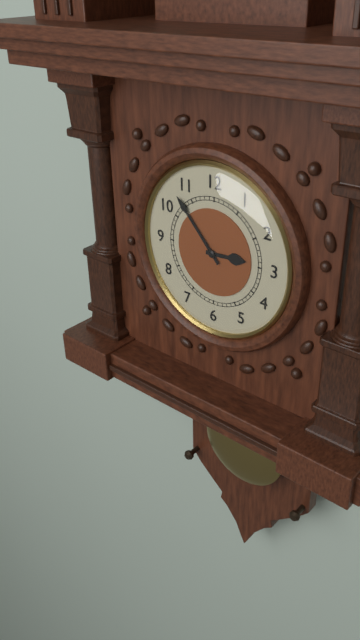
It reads 2h53
